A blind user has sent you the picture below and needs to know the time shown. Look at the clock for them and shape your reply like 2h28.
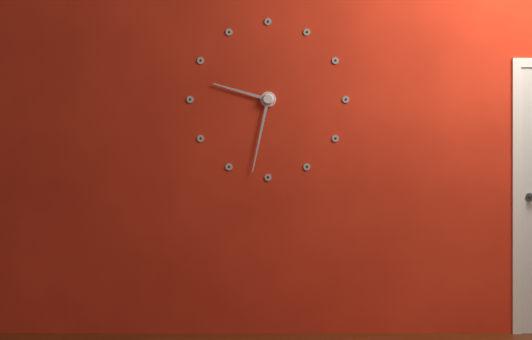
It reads 9h32
